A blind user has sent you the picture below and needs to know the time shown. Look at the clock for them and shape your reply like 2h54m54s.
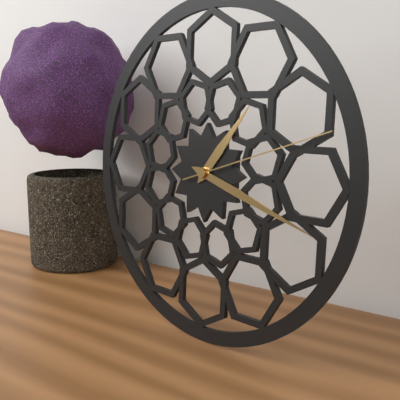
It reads 1h18m12s
